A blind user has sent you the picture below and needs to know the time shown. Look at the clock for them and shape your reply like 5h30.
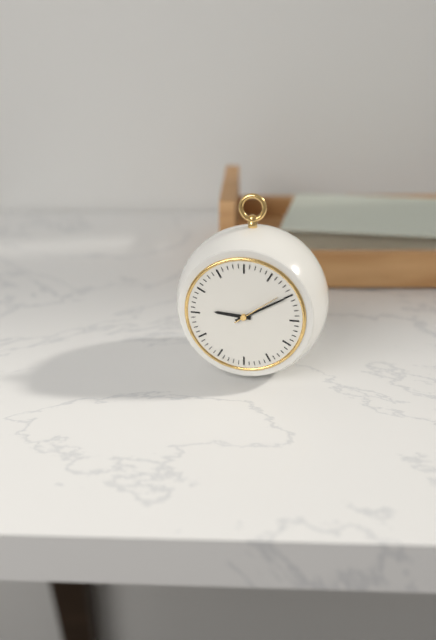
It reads 9h10
